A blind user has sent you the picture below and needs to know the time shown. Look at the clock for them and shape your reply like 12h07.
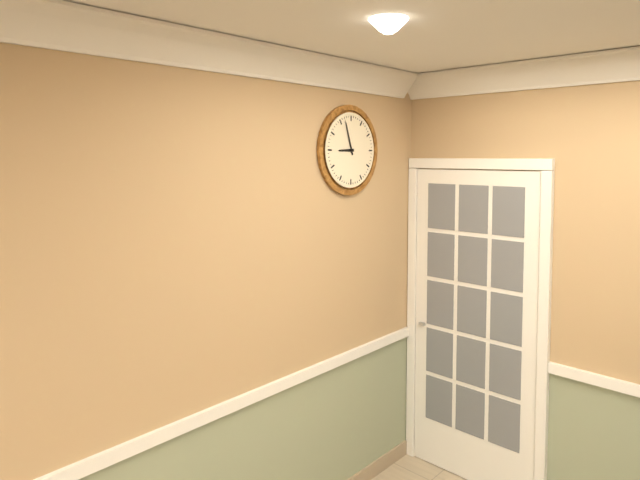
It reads 8h57
